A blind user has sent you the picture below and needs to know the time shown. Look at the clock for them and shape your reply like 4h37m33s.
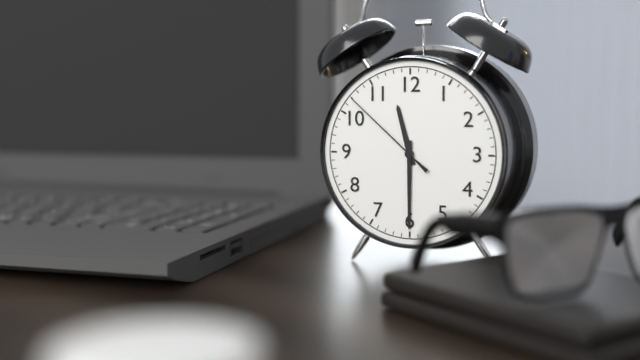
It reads 11h30m52s
